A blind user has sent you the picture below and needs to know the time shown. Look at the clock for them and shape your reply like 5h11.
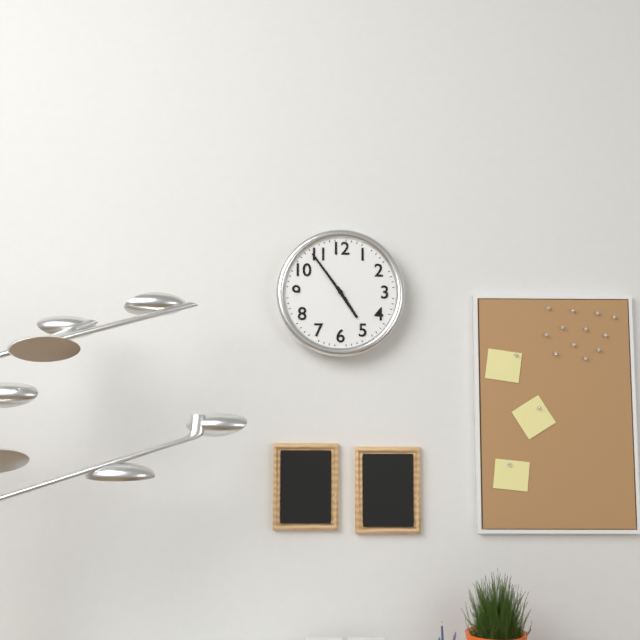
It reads 4h54
